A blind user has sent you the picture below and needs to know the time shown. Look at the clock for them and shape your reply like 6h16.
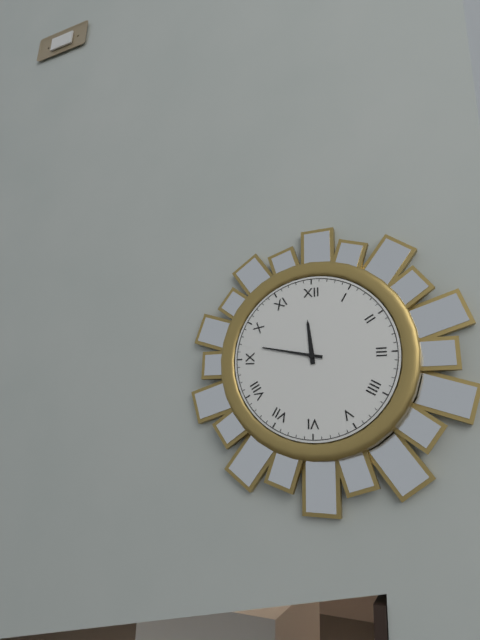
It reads 11h47
